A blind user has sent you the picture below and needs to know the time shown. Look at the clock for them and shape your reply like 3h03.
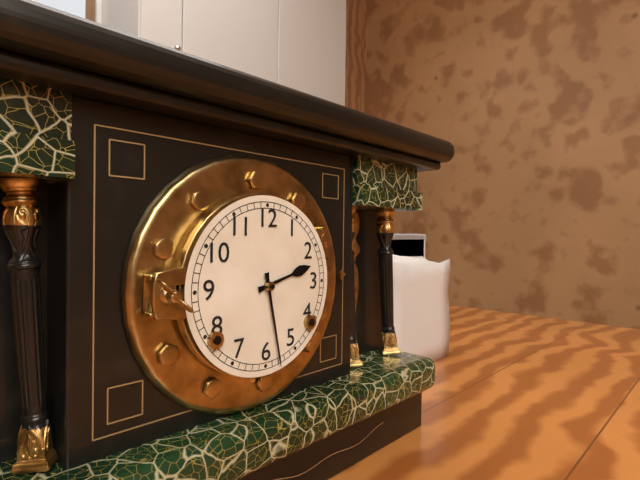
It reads 2h28
